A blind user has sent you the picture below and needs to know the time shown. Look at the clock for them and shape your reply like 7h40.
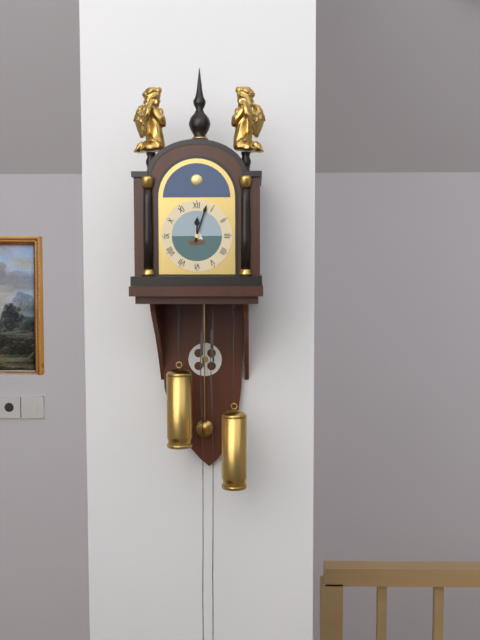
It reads 12h03
